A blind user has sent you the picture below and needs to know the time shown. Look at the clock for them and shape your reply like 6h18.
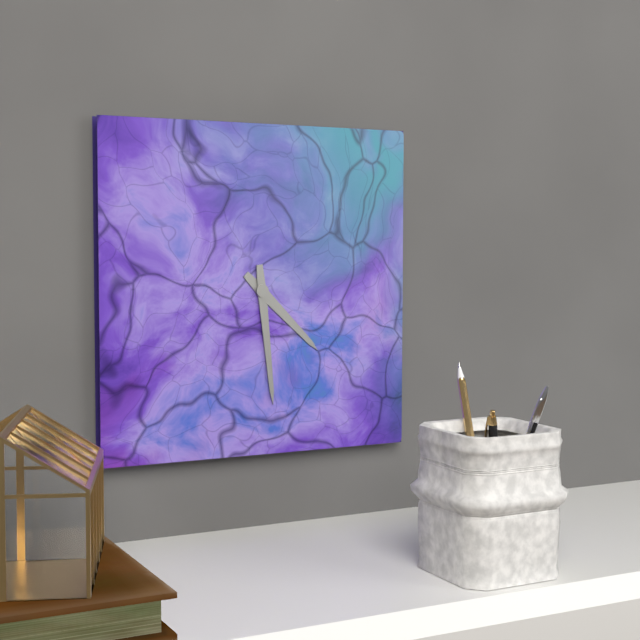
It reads 4h29
